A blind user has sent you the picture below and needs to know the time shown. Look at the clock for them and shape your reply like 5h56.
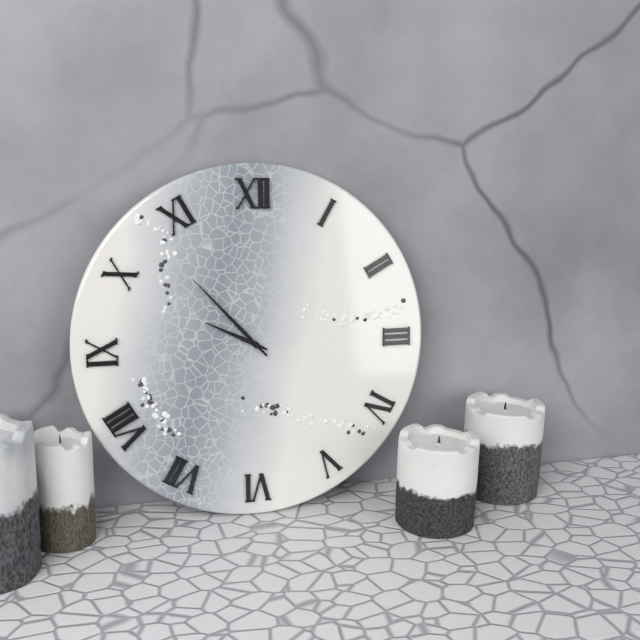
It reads 9h53
